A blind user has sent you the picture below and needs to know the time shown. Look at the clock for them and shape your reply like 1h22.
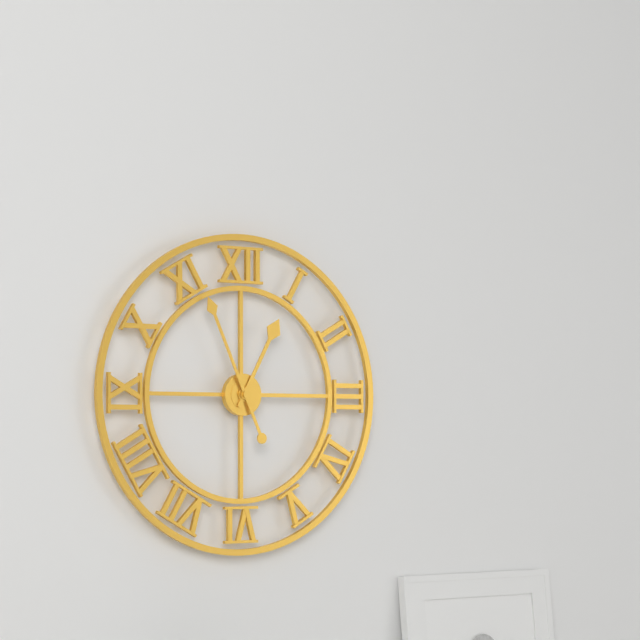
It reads 12h56
